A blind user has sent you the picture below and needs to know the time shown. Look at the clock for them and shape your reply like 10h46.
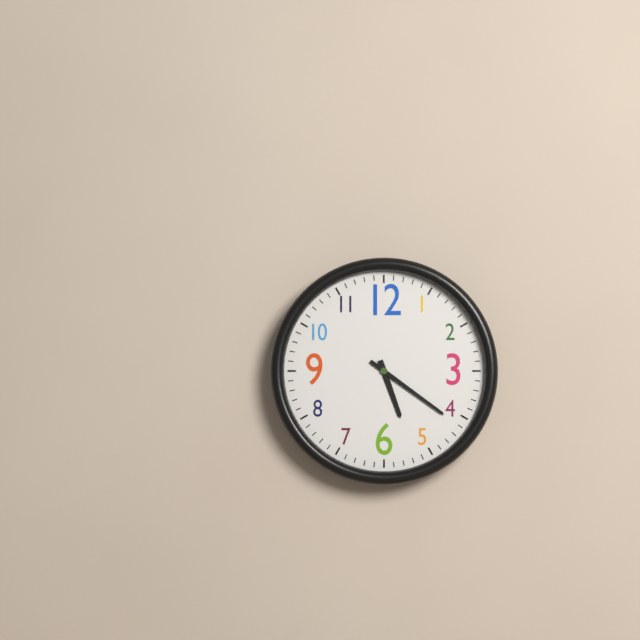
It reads 5h21
